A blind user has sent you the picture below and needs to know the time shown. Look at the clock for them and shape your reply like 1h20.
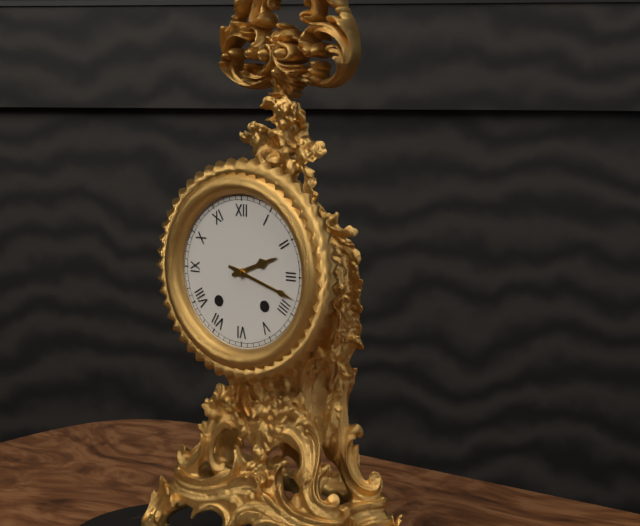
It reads 2h18
